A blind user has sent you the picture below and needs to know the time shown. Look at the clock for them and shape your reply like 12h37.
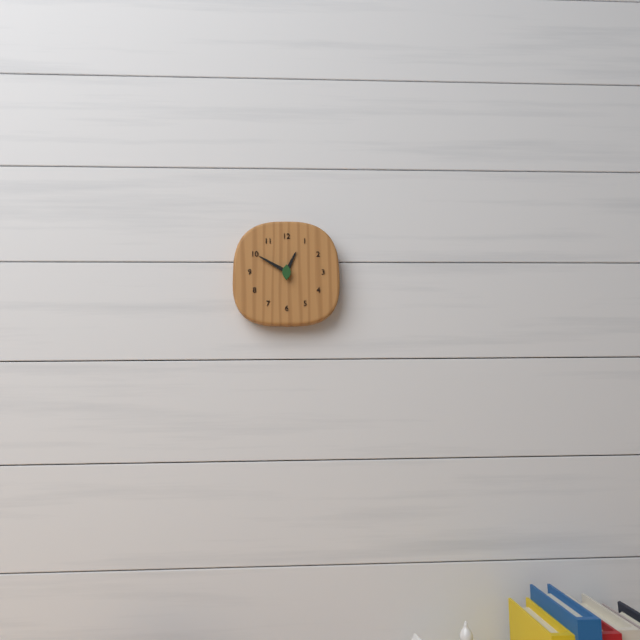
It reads 12h50
